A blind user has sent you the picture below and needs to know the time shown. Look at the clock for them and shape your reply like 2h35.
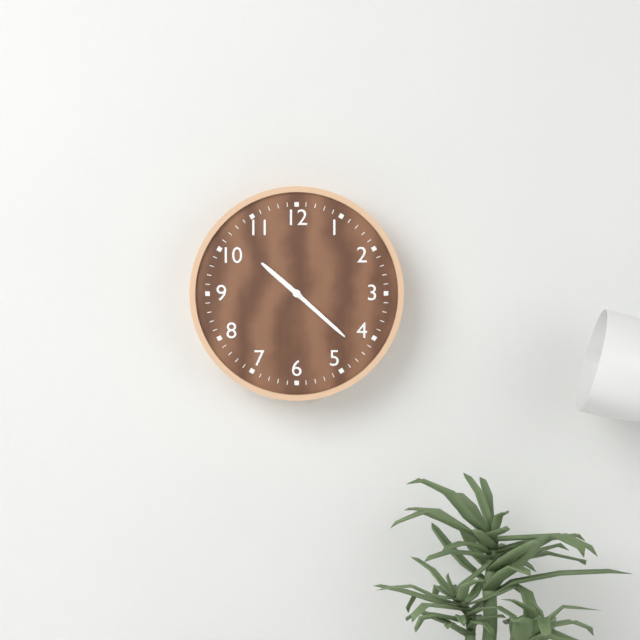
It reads 10h22
